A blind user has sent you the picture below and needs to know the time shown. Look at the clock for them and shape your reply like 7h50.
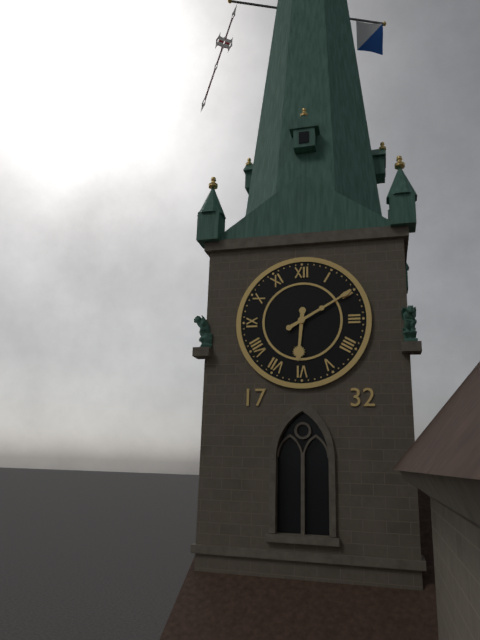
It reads 6h10
